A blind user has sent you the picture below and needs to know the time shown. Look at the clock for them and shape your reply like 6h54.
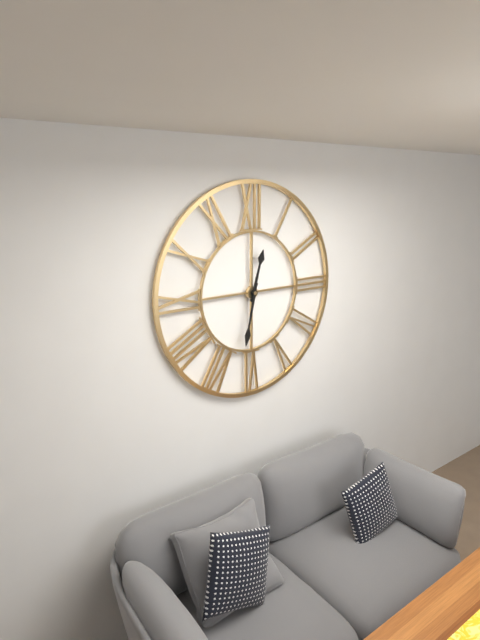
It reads 12h32
